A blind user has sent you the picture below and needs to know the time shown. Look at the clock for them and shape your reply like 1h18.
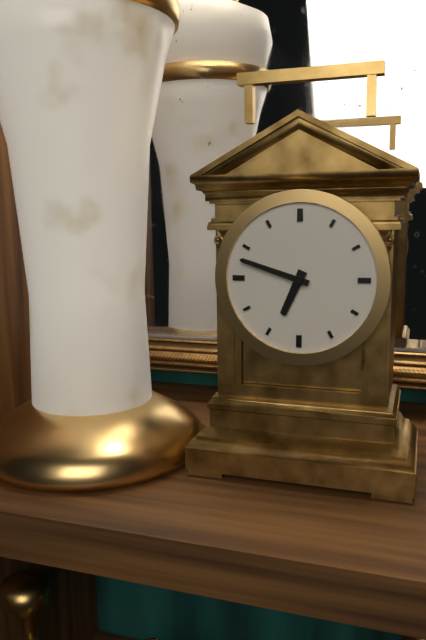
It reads 6h48
